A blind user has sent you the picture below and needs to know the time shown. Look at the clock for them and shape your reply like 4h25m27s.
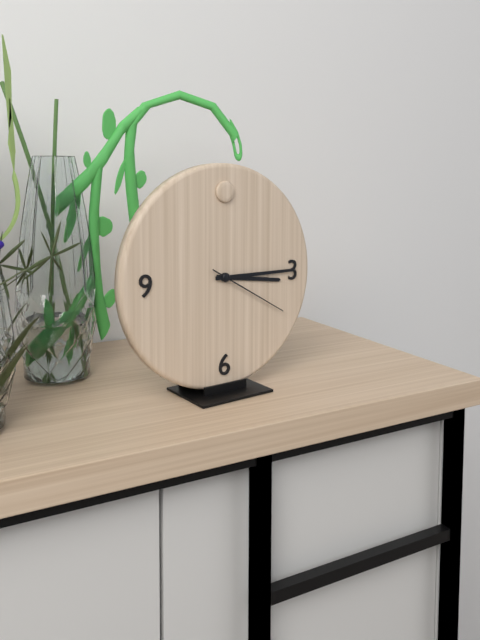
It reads 3h15m20s
